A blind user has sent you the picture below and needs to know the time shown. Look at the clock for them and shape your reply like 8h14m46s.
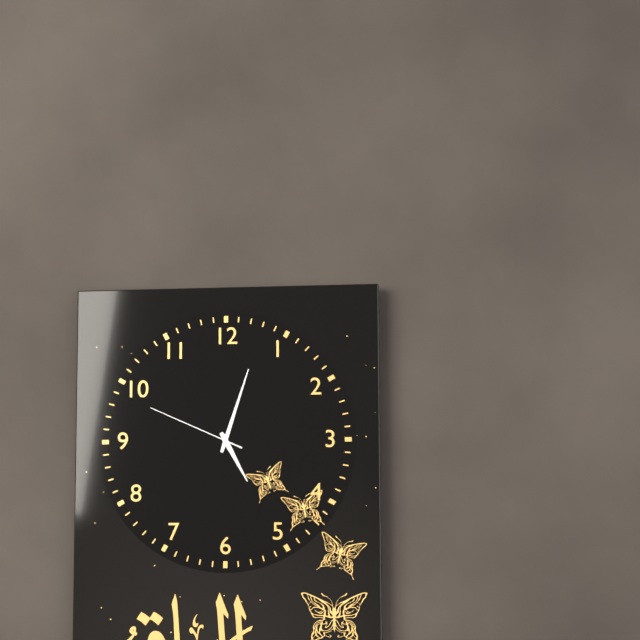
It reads 5h03m49s
